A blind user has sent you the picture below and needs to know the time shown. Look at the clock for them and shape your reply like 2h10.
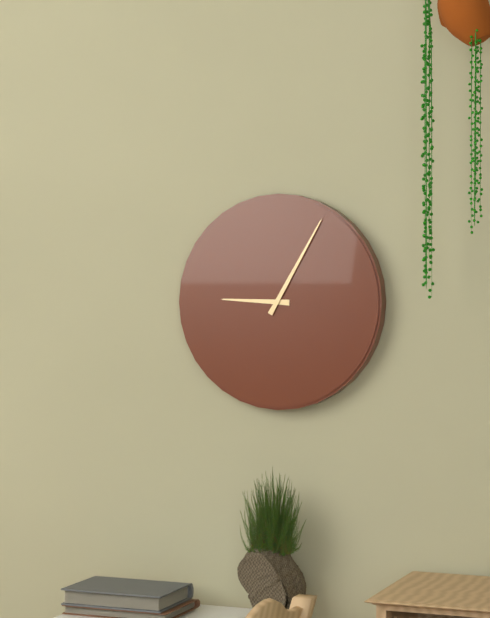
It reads 9h05
